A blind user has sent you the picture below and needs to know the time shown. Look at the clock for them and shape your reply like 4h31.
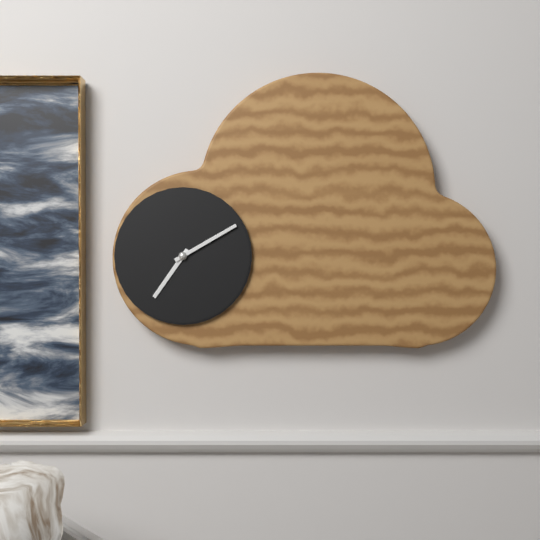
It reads 7h10
